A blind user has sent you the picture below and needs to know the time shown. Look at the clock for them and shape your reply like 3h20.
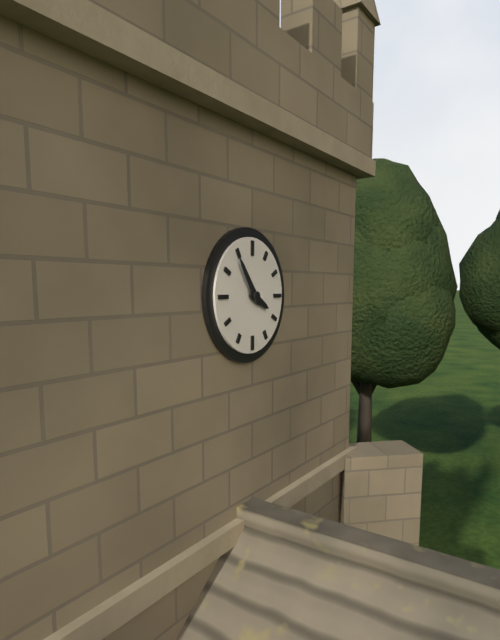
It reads 3h54
